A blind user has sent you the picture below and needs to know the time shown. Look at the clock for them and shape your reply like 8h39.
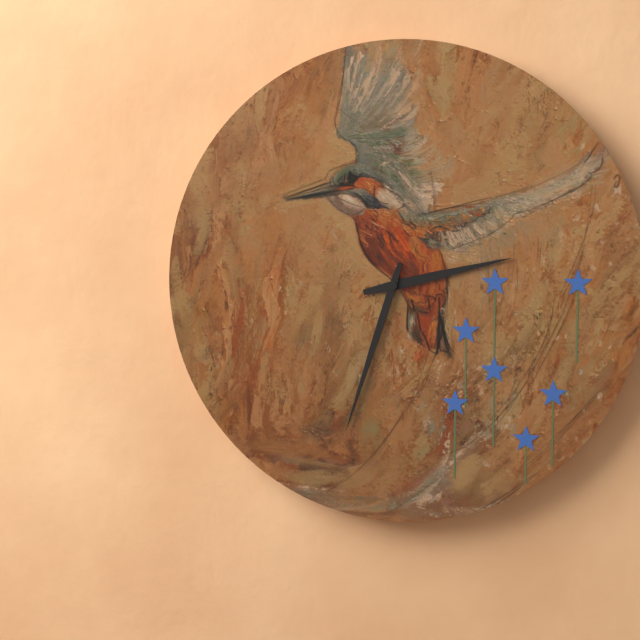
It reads 2h33
